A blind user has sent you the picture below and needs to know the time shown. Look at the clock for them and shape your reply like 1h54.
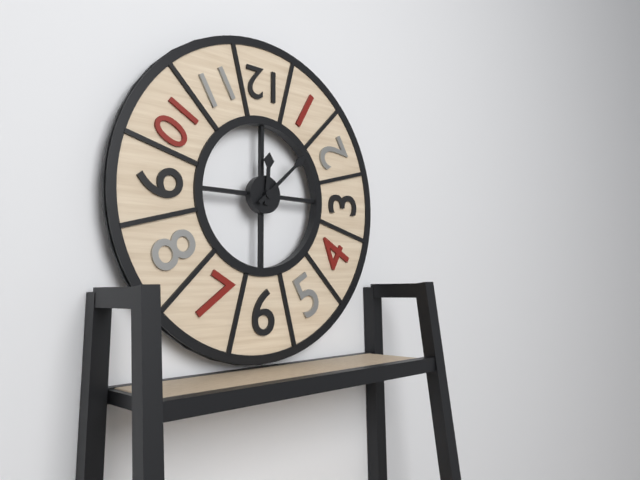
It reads 12h08
